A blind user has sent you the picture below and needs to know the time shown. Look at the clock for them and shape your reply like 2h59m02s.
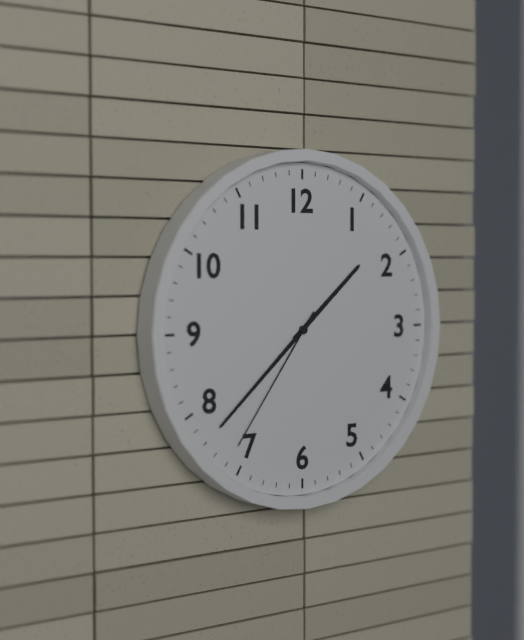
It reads 1h38m36s
